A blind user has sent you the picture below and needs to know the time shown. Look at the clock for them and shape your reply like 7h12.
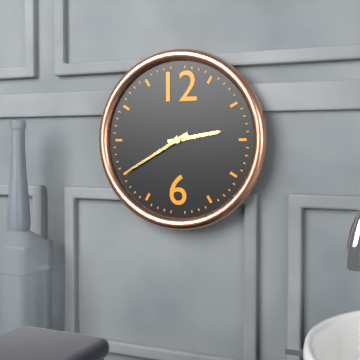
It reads 2h40
